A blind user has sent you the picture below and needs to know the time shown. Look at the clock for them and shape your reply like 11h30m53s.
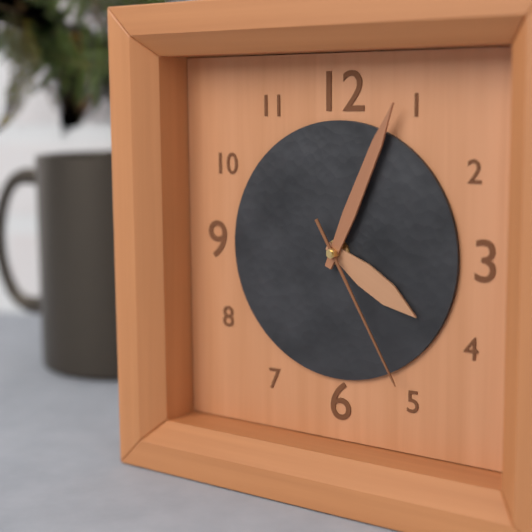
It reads 4h04m25s
